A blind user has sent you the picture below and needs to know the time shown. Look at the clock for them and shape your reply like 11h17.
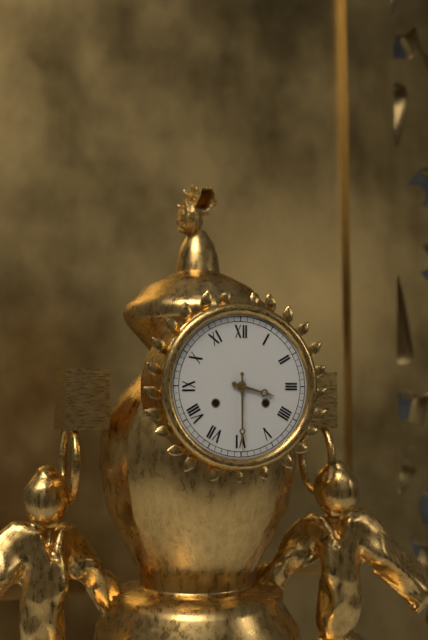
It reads 3h30
